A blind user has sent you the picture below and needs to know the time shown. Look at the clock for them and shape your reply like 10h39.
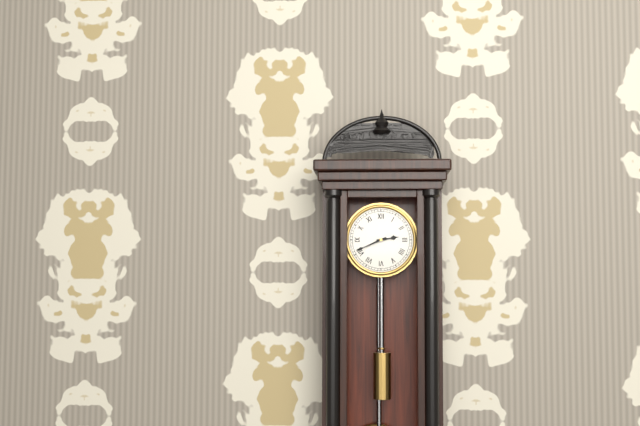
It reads 2h41
